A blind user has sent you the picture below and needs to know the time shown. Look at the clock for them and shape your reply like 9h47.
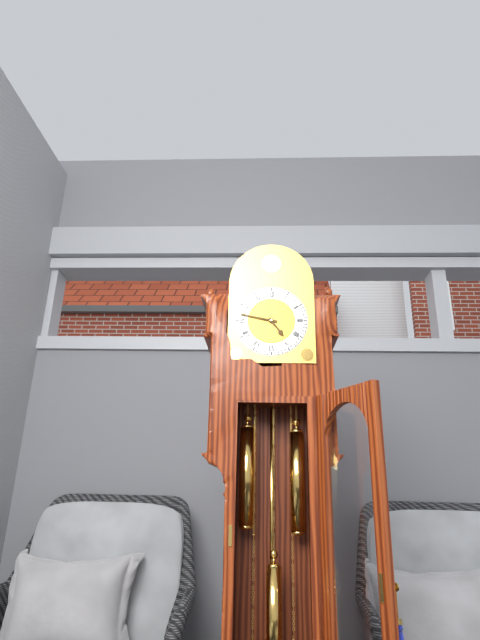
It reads 4h47
